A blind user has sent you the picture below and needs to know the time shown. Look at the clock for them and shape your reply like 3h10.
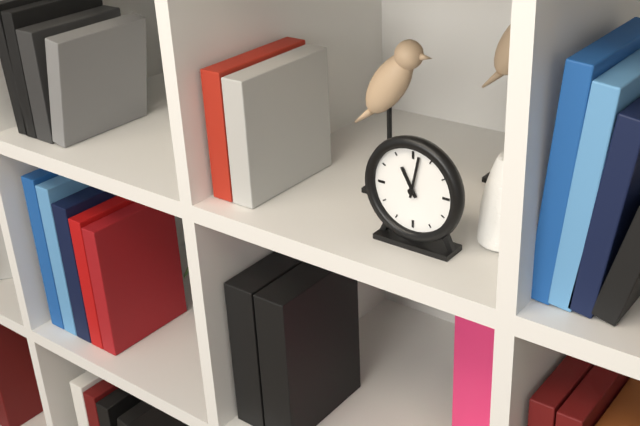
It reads 11h02
